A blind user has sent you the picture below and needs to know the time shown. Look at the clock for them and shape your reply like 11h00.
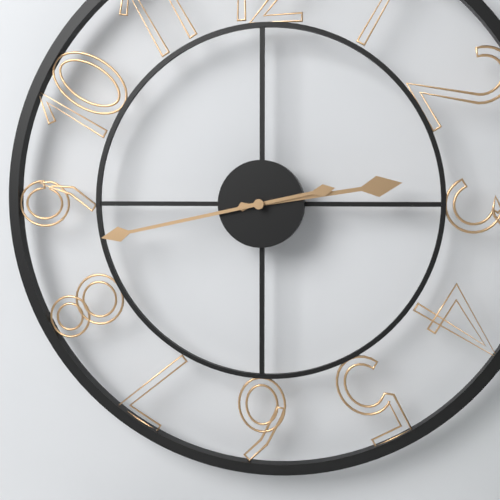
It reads 2h43
